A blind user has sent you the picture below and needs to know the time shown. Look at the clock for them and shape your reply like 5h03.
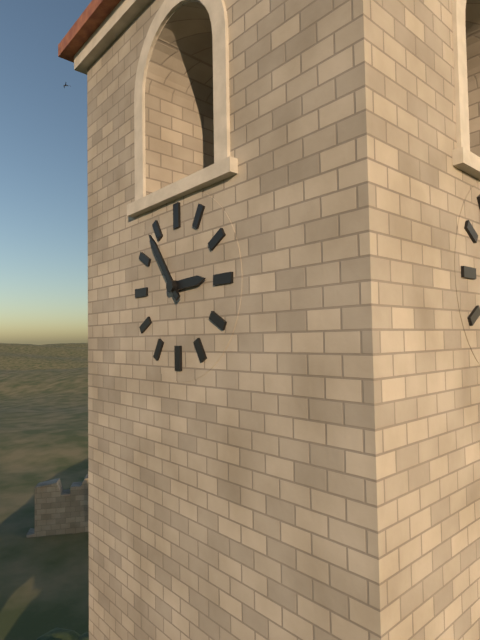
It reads 2h54
